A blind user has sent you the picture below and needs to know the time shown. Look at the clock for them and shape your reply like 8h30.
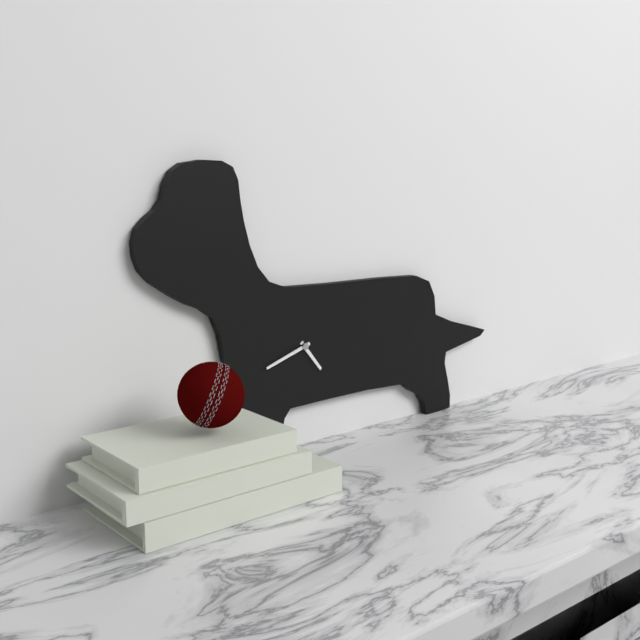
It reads 4h42
